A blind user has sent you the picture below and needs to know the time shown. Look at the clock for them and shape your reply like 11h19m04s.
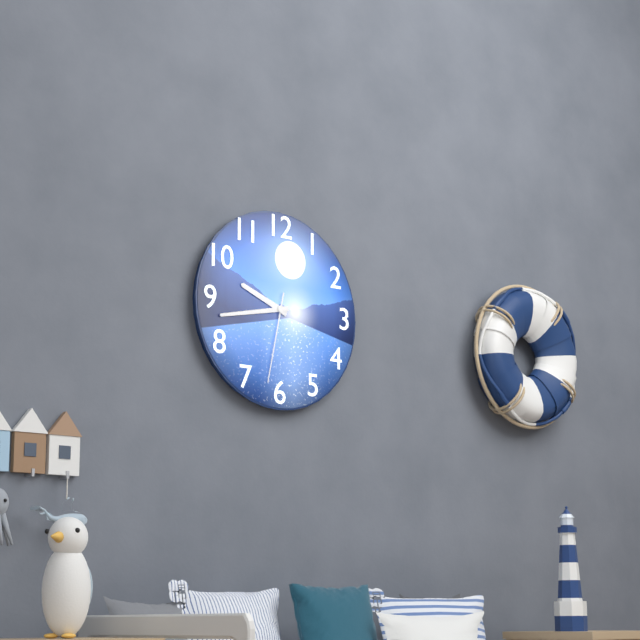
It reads 9h43m32s
